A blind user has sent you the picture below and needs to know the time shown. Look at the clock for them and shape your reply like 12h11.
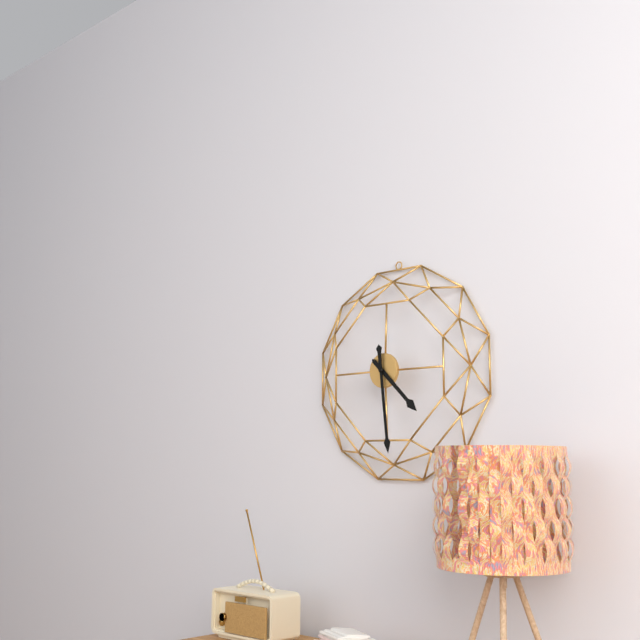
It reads 4h29
